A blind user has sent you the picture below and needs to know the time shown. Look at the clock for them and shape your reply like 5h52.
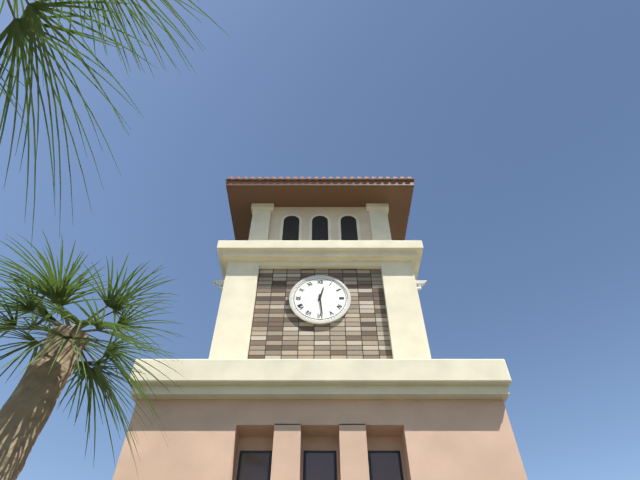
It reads 12h29
